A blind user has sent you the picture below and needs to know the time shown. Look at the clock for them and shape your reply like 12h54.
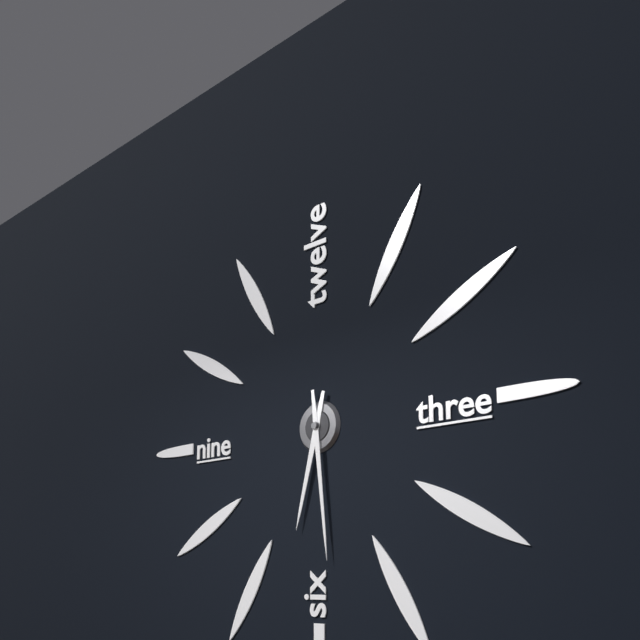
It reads 6h29
